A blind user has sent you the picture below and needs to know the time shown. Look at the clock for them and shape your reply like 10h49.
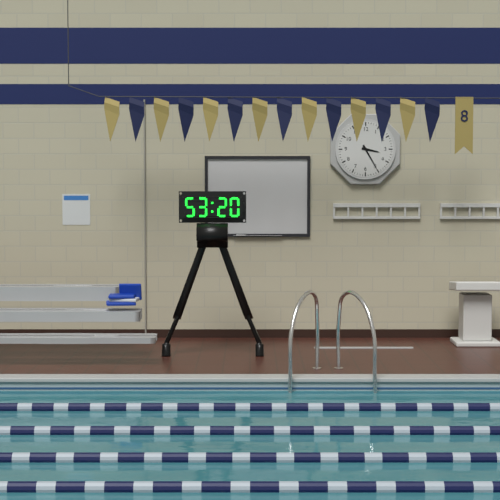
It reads 3h25
